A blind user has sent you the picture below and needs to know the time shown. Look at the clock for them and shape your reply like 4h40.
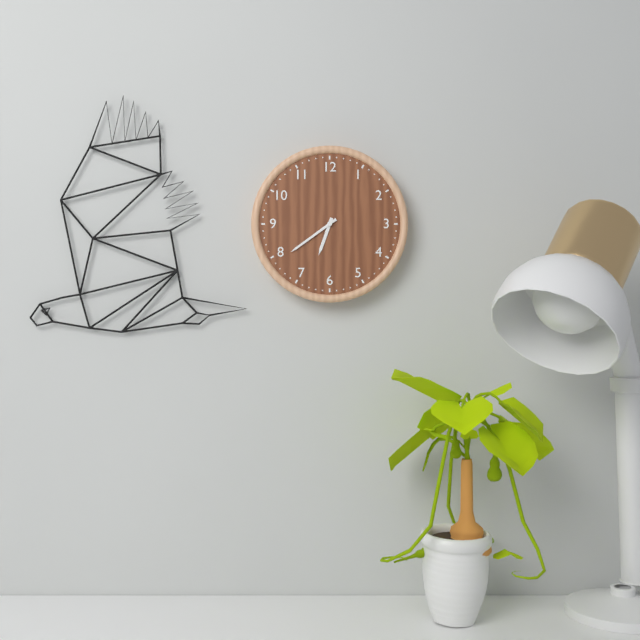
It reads 6h39
